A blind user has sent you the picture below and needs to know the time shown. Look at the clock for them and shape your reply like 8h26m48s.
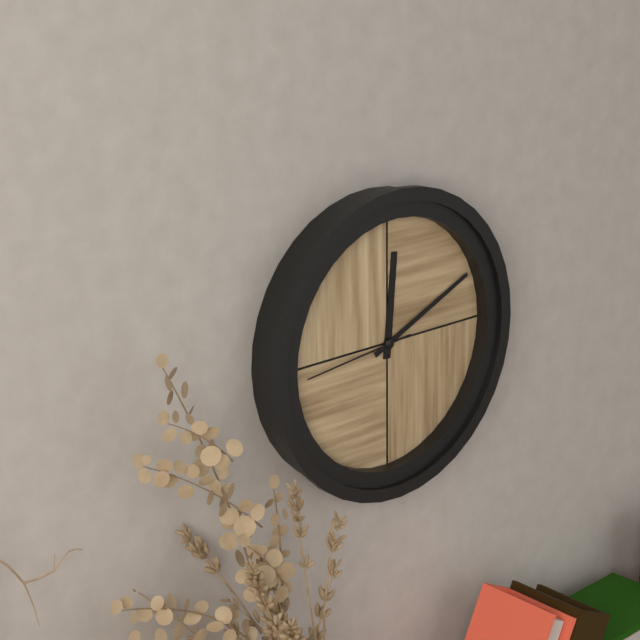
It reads 12h11m44s
